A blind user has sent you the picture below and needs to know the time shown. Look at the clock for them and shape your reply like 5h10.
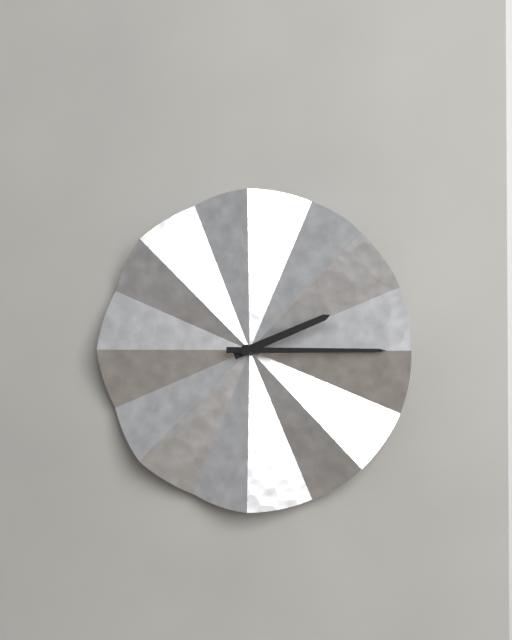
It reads 2h15
